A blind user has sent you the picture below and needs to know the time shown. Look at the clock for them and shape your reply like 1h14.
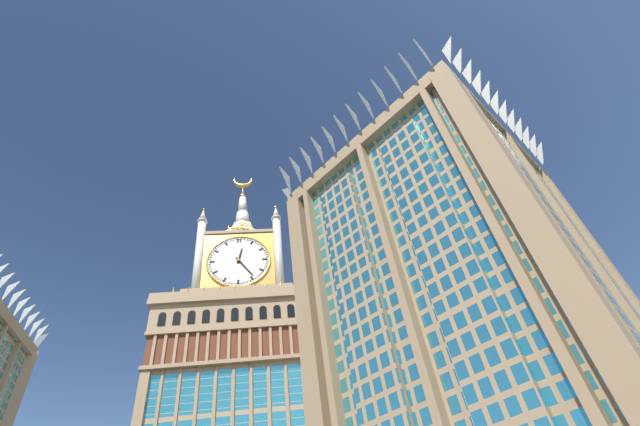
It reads 12h24
